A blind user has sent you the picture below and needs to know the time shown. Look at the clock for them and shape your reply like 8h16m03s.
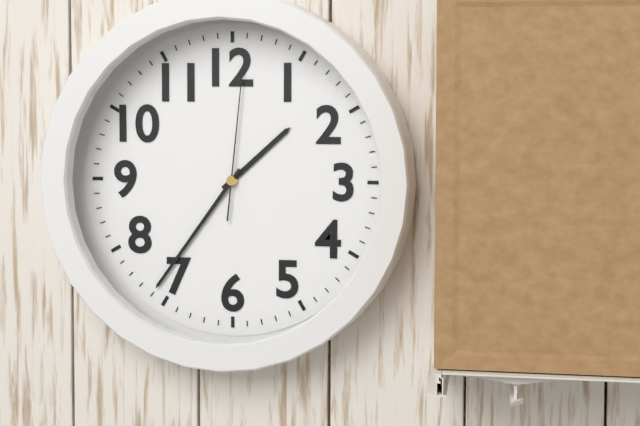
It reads 1h36m01s
